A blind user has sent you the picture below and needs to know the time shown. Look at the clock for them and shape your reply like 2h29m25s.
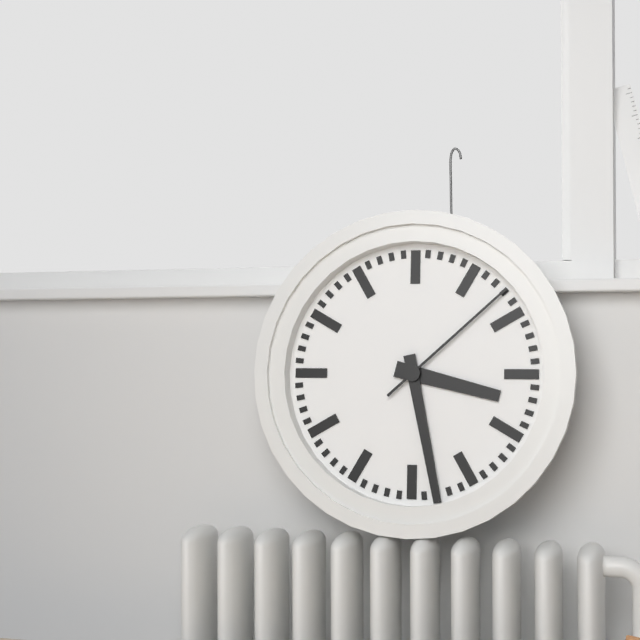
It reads 3h28m08s
